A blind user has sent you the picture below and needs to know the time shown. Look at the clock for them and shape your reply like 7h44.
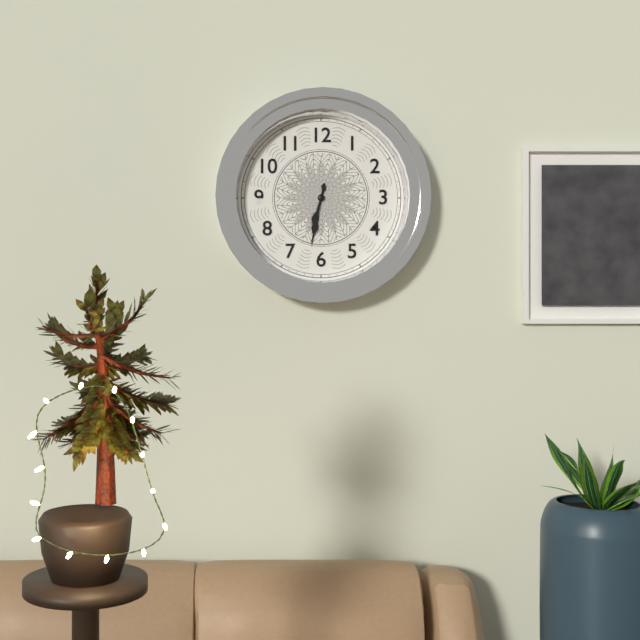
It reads 6h32
